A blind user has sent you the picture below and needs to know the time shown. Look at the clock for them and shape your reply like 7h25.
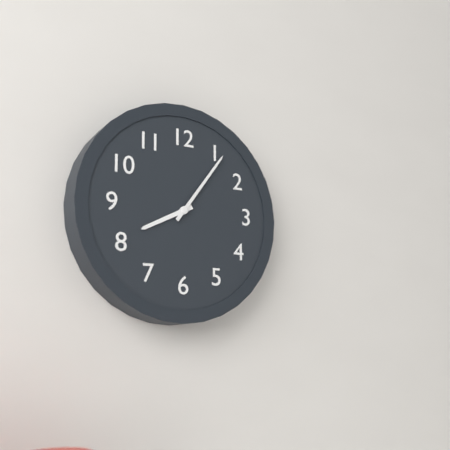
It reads 8h06
